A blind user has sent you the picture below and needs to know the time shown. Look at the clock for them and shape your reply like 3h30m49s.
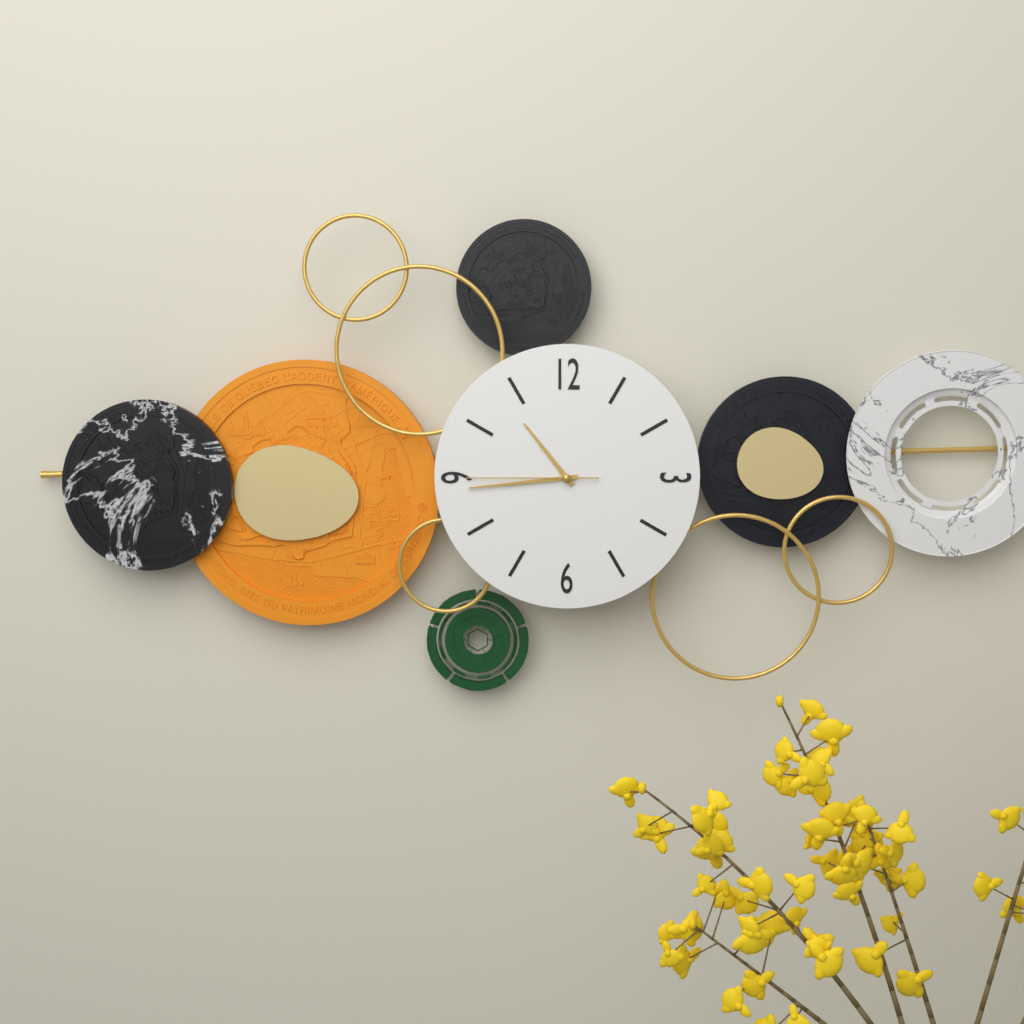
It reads 10h44m45s
